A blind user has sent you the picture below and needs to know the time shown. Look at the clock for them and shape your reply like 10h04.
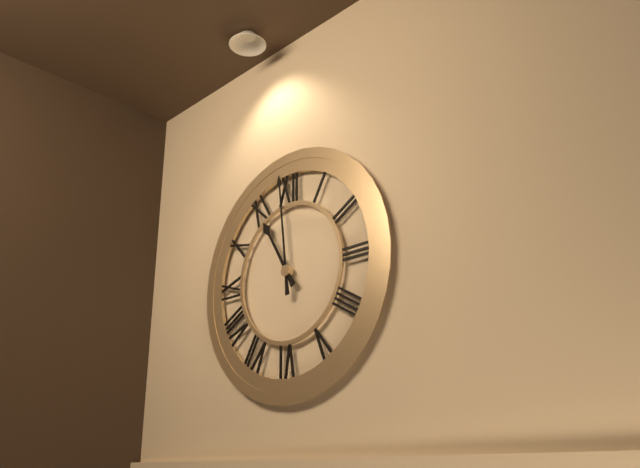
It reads 10h59
